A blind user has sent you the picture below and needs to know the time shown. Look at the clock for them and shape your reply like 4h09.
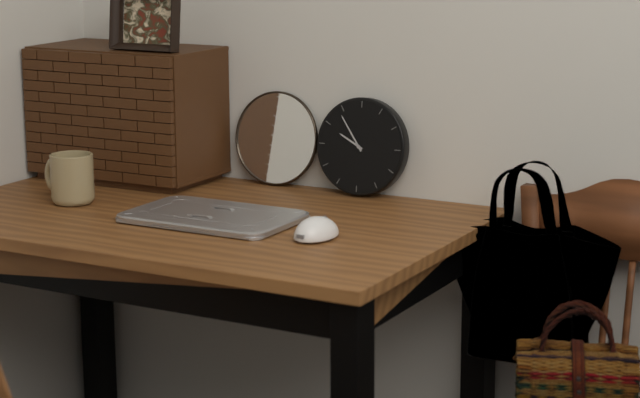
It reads 9h54
